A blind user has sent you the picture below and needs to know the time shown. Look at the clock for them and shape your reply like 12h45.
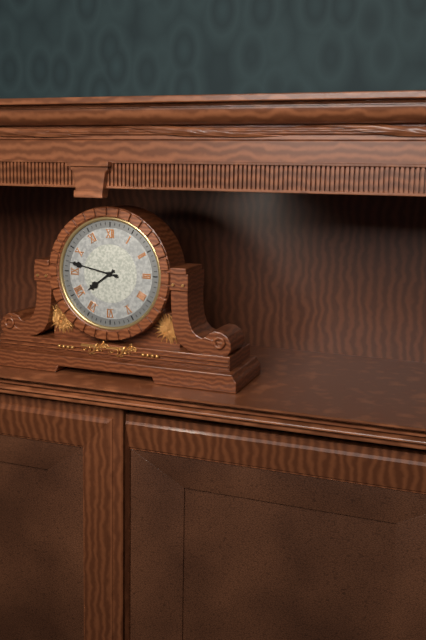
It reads 7h47
